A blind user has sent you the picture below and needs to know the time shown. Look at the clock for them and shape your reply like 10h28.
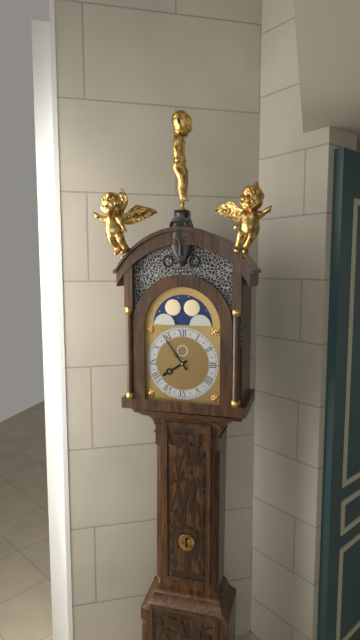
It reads 7h54
